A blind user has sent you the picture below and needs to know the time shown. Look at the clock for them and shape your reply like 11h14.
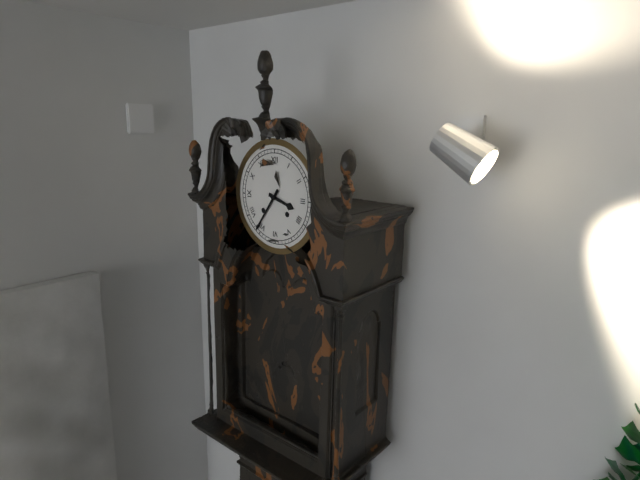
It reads 3h36
